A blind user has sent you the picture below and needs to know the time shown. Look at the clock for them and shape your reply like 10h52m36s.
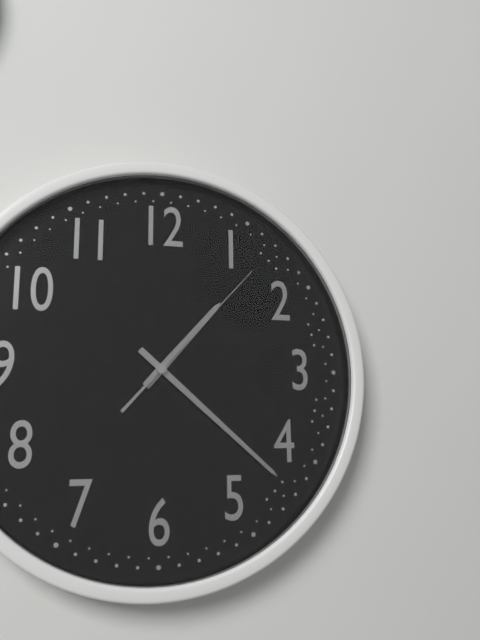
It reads 1h22m07s
